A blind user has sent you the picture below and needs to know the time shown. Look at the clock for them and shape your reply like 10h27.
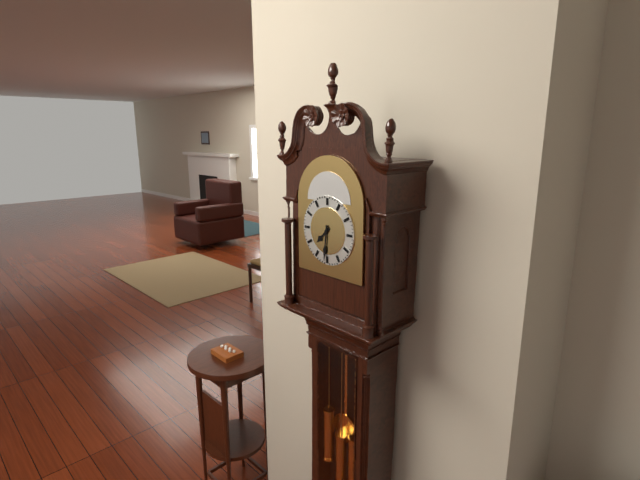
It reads 7h31
